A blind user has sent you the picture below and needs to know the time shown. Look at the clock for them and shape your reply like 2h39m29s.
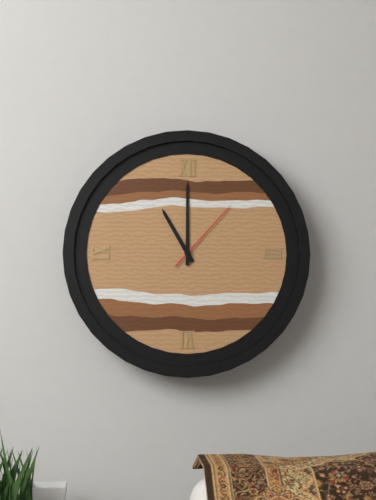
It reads 11h00m07s
